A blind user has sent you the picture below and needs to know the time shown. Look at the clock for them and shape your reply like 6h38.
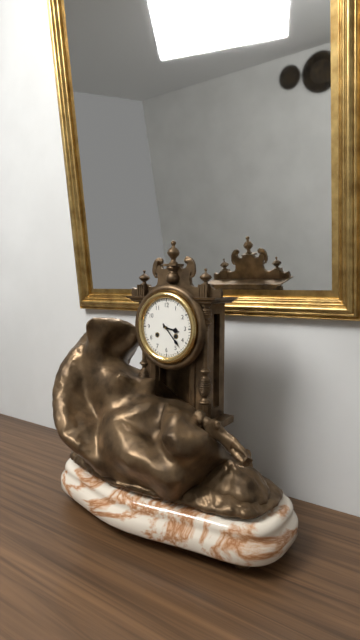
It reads 3h23
